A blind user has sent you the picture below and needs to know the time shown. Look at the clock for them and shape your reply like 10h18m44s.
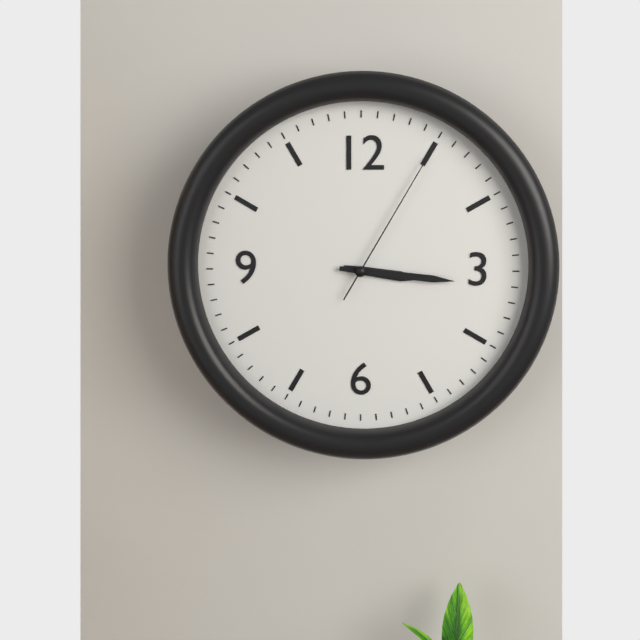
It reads 3h16m05s
